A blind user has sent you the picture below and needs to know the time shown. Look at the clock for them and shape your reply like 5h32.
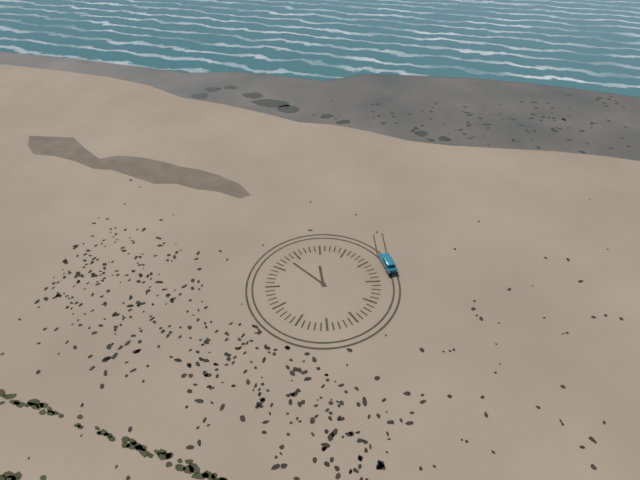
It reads 11h53
